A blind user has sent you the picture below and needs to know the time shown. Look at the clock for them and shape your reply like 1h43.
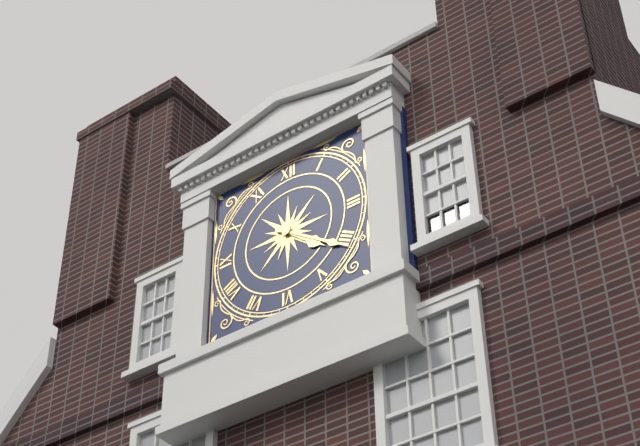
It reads 4h21
